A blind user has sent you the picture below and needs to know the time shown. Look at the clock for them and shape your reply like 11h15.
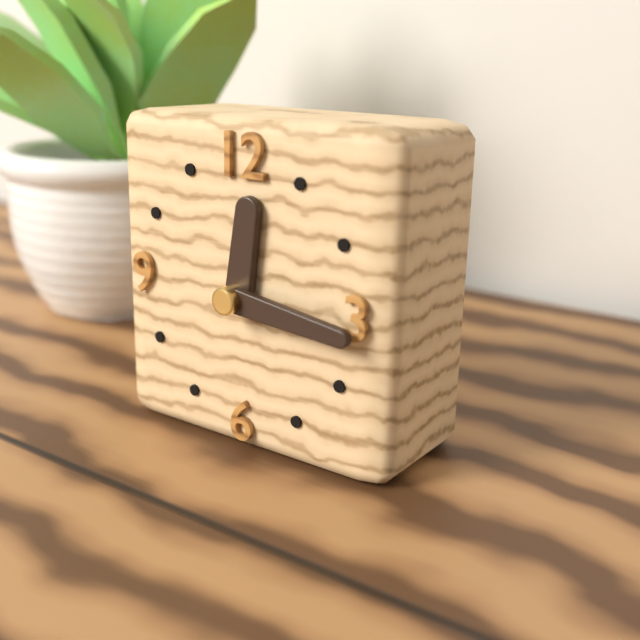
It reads 12h16
